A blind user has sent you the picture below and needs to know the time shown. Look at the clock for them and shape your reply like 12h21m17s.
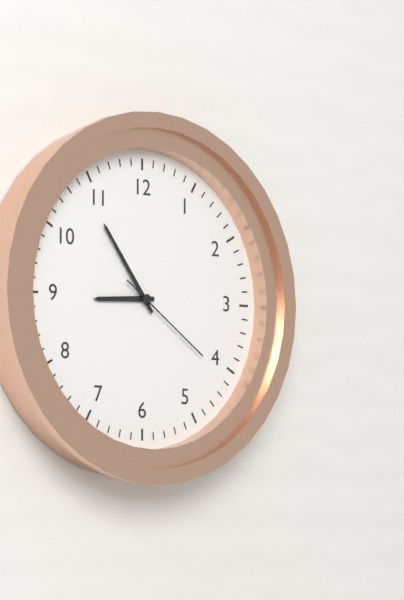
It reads 8h54m21s
